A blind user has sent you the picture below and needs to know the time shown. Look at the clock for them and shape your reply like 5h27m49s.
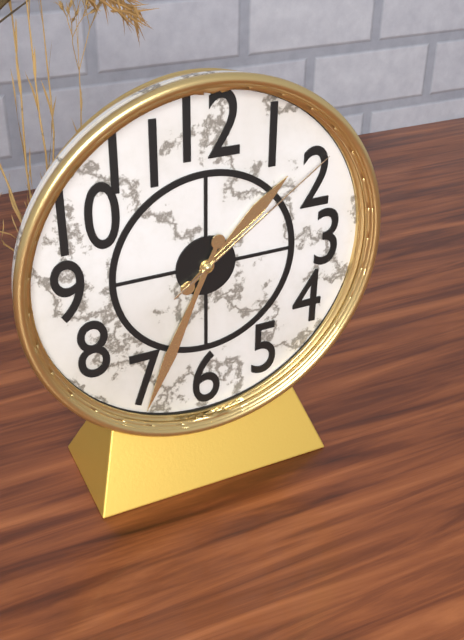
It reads 1h34m09s
